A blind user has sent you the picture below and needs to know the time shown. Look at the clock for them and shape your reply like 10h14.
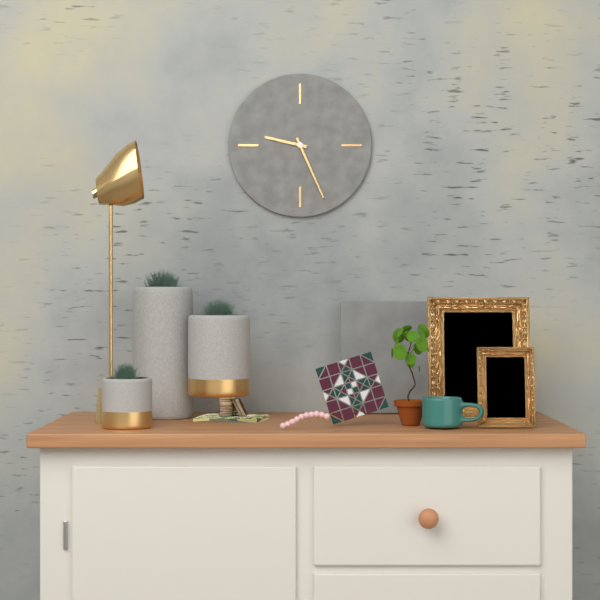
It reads 9h26
